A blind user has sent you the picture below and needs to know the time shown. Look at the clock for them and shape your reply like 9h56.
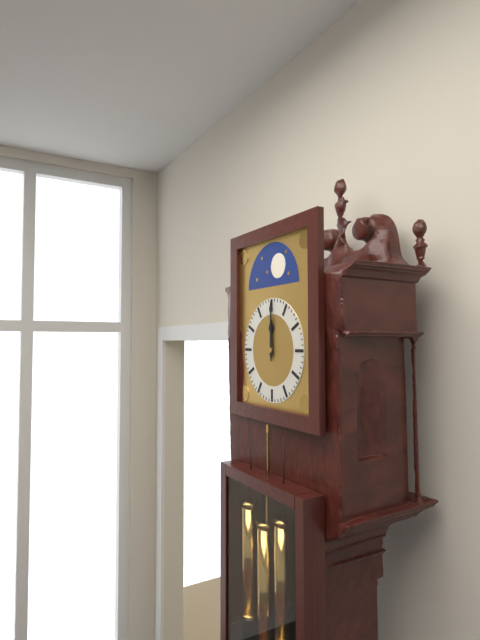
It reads 12h00
